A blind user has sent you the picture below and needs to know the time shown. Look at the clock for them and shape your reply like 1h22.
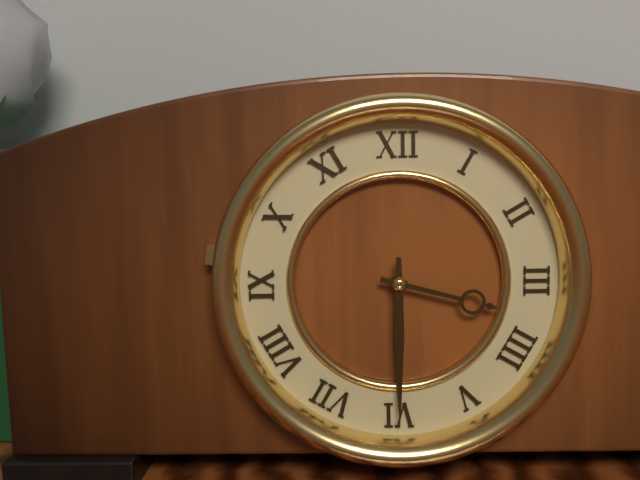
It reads 3h30
